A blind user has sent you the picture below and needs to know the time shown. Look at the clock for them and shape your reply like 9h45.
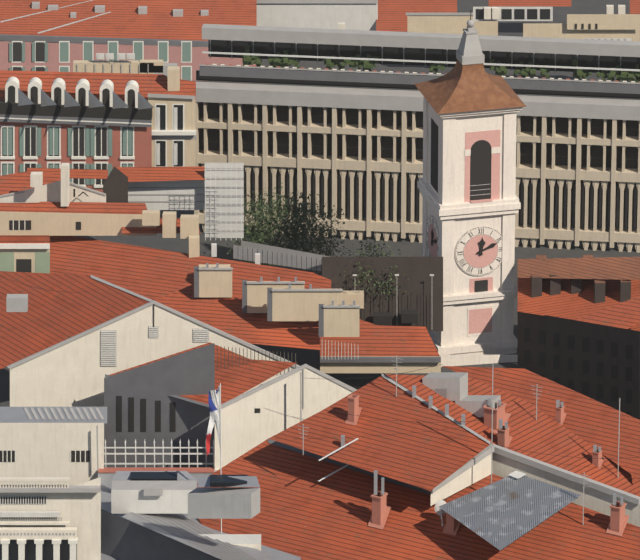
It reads 12h11
